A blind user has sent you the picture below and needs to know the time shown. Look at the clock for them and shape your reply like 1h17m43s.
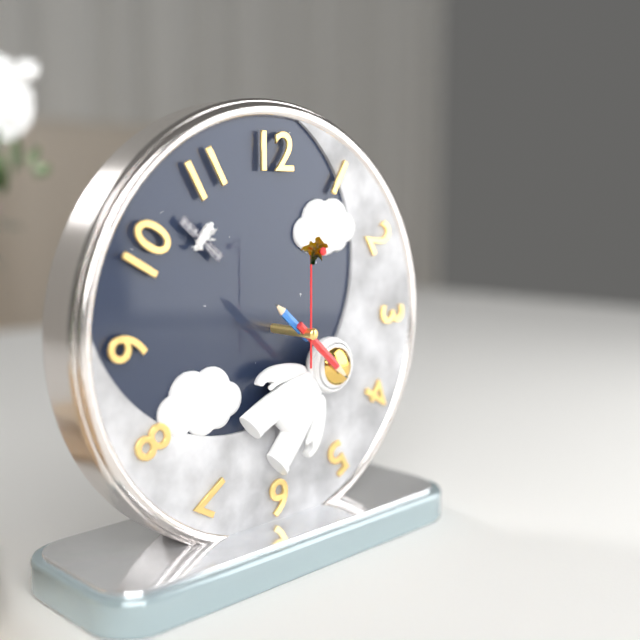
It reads 10h22m00s
